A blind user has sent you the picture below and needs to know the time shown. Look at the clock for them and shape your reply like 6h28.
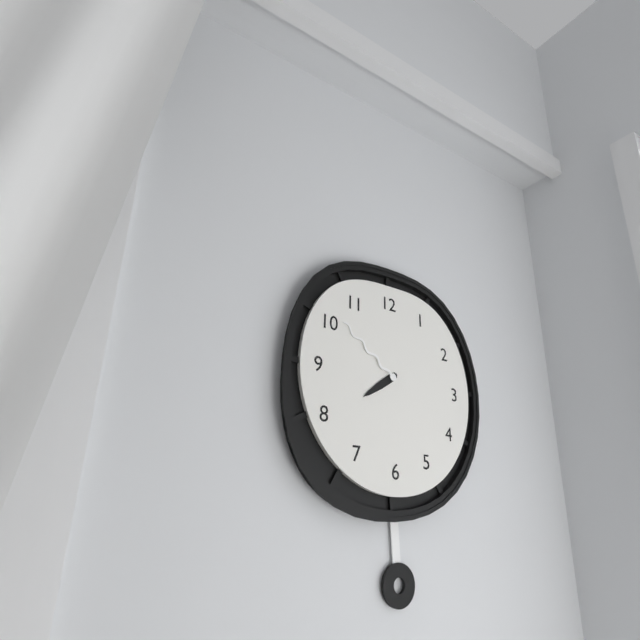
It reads 7h51
